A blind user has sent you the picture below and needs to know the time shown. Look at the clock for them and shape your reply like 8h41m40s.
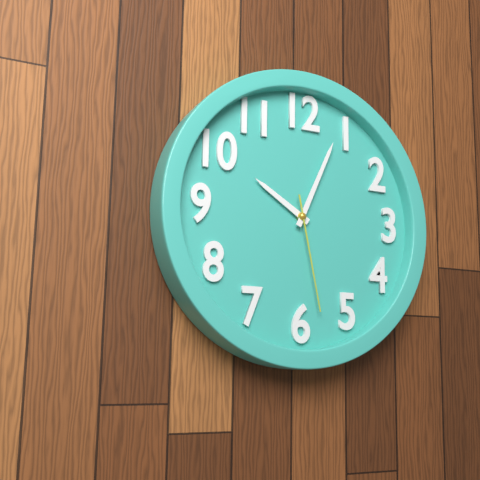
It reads 10h04m28s
